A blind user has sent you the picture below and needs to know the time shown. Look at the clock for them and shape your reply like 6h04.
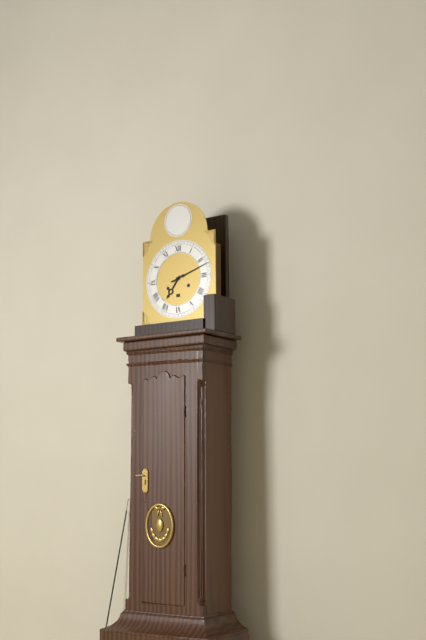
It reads 7h12
